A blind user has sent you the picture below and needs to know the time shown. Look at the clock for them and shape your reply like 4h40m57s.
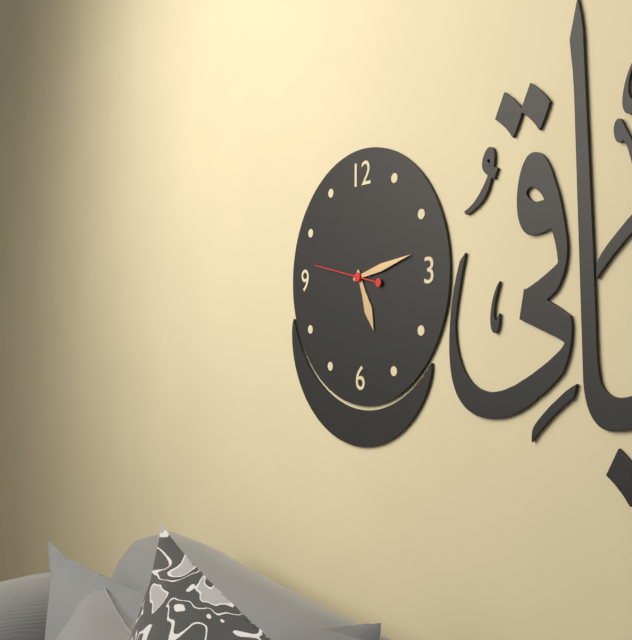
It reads 5h13m47s
